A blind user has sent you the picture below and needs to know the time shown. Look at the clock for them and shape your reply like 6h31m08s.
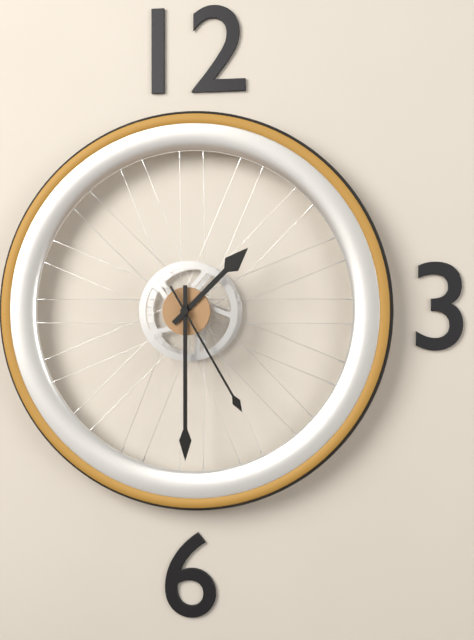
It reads 1h30m25s
